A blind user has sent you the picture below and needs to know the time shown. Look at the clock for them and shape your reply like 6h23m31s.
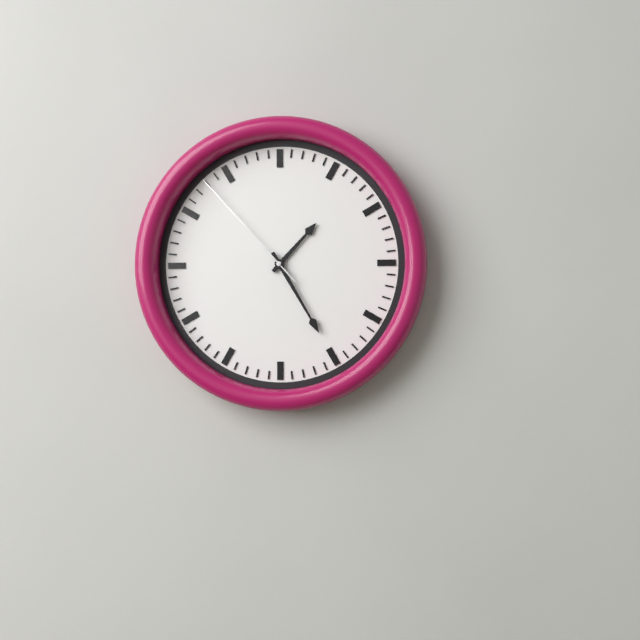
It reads 1h25m53s
